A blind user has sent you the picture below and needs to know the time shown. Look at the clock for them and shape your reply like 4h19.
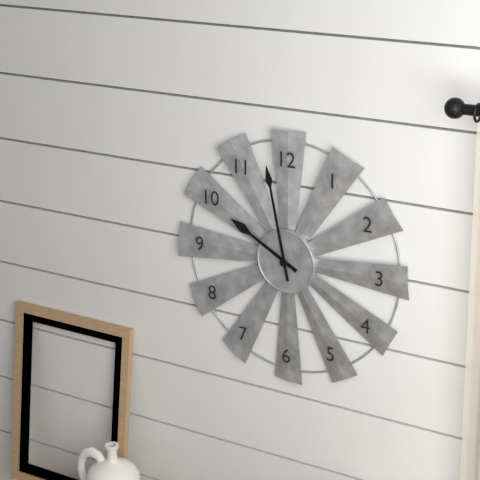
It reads 9h58
